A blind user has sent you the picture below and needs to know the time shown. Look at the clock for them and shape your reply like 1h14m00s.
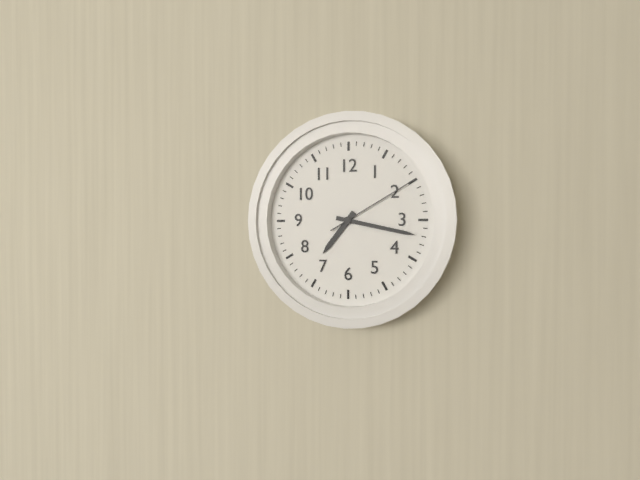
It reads 7h17m10s
